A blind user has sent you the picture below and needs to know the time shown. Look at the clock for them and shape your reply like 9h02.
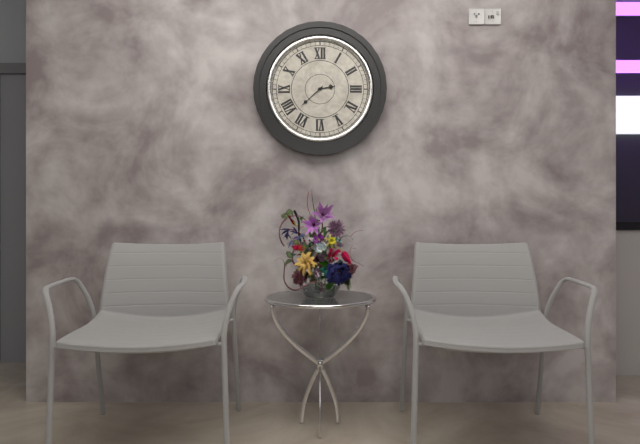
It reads 2h38
